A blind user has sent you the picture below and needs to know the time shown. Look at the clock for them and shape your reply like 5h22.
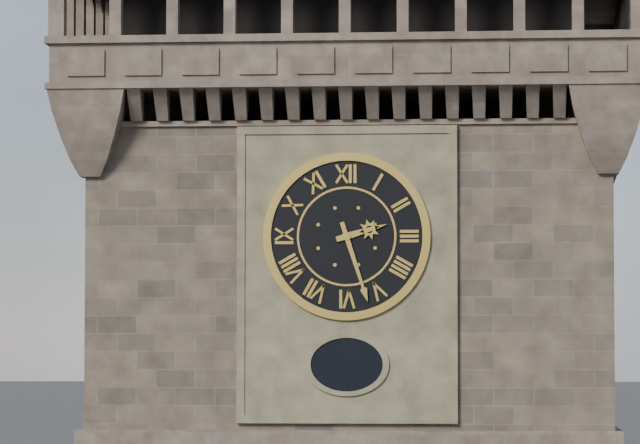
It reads 2h27
